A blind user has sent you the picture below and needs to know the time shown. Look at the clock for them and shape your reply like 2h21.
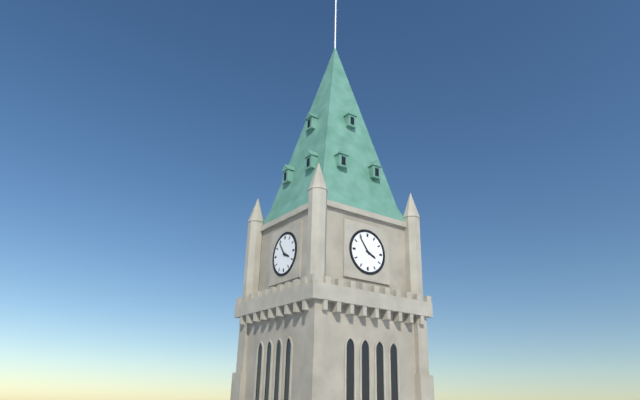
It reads 3h54
